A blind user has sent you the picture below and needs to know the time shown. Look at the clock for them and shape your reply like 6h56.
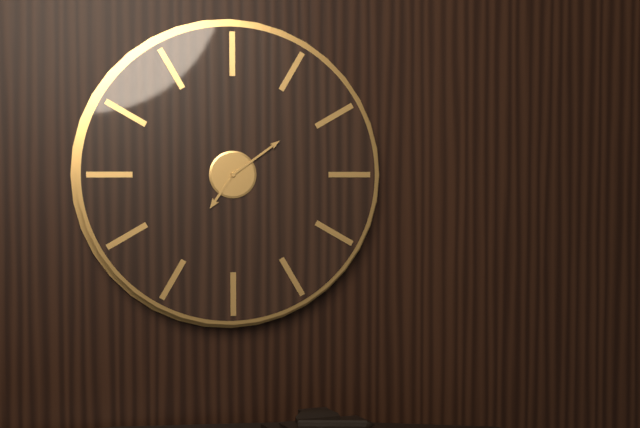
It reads 7h09
